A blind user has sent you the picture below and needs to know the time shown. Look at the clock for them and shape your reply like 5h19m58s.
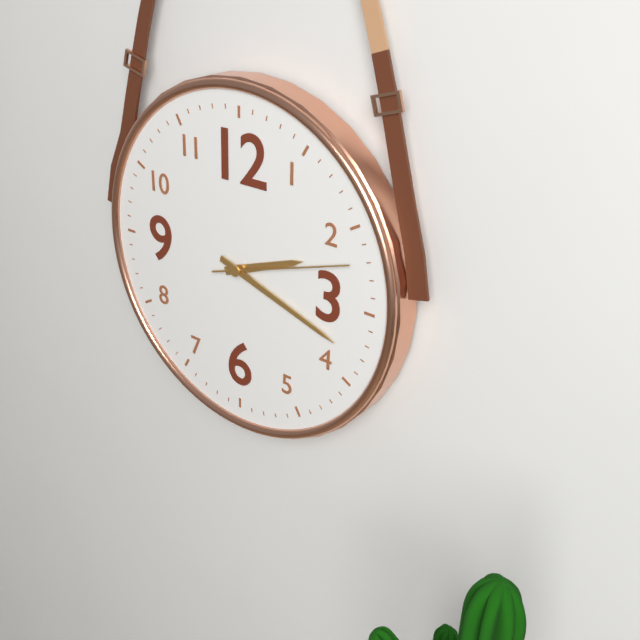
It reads 2h18m12s
